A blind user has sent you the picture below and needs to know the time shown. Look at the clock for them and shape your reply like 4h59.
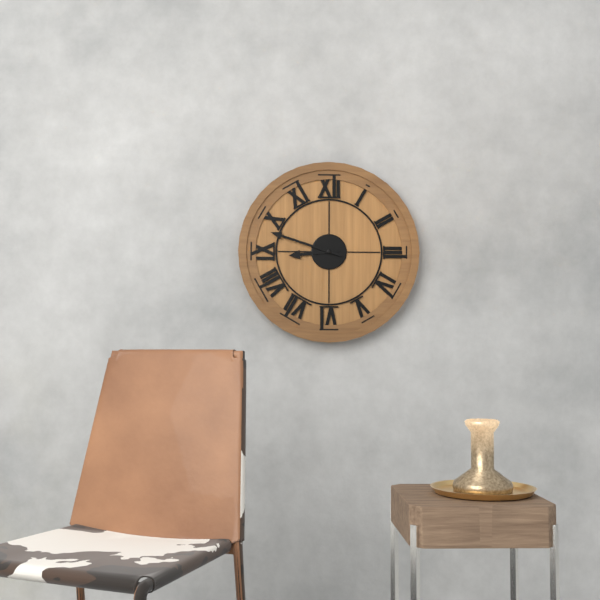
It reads 8h48
